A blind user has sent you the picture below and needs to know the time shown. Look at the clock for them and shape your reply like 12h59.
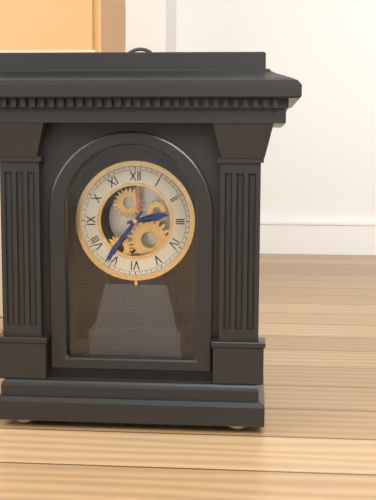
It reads 2h36
